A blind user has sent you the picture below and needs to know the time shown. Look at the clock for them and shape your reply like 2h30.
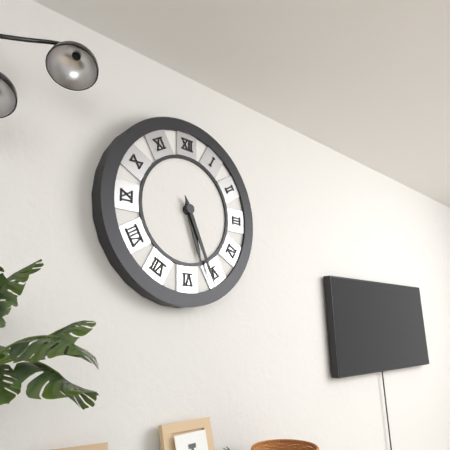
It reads 5h26
